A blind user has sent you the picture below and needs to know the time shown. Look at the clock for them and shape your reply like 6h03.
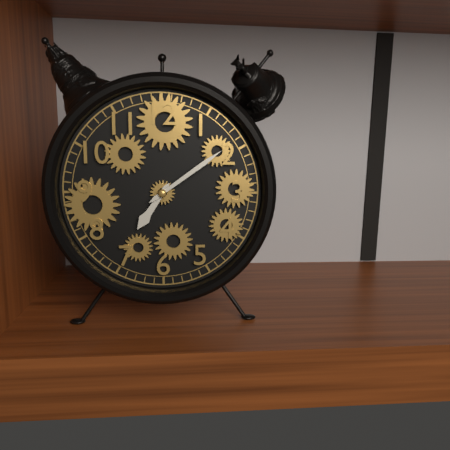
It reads 7h09
